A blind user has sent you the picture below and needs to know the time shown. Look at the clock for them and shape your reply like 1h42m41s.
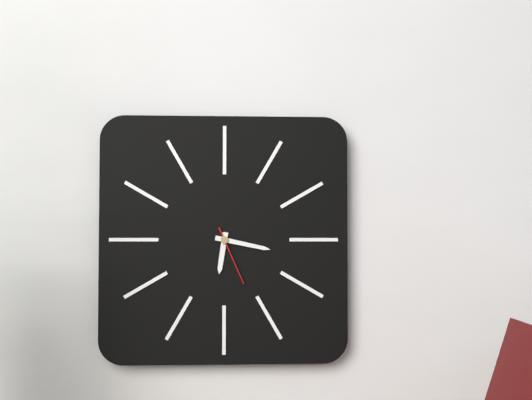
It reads 6h17m26s
